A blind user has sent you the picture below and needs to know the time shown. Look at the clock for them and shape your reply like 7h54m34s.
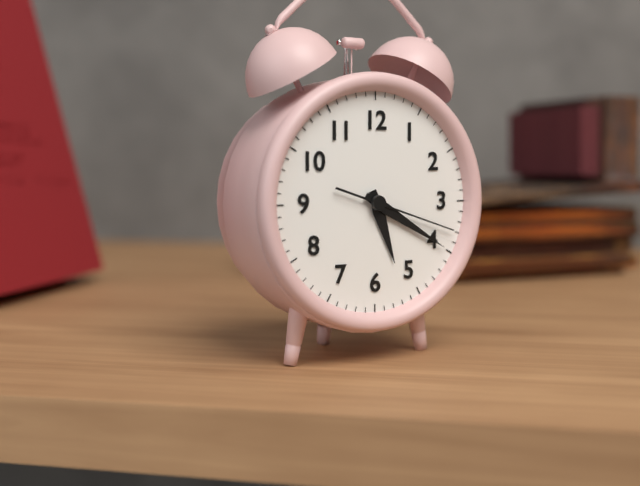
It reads 5h20m18s
